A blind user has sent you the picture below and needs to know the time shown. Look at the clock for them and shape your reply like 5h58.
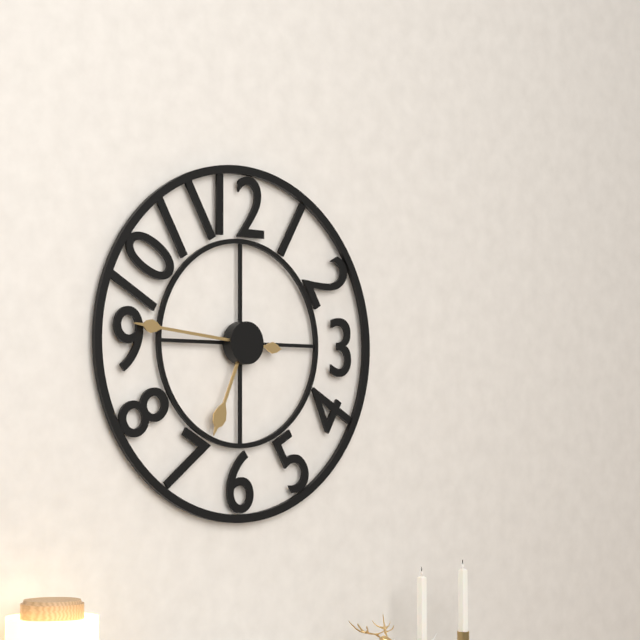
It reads 6h46
